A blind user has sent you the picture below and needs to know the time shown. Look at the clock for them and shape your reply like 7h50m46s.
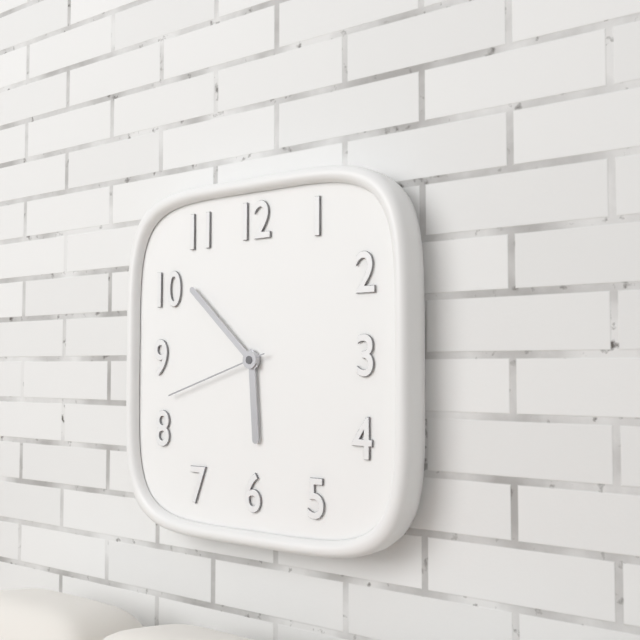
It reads 5h52m42s
